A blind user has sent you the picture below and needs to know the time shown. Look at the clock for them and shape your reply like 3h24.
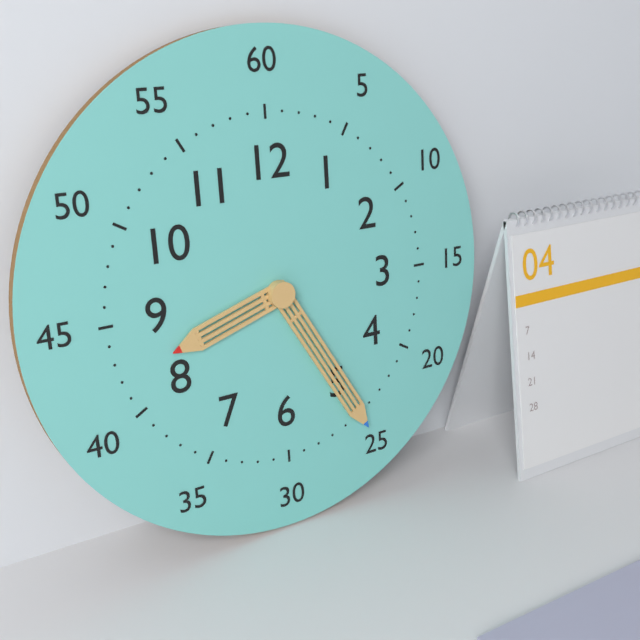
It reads 8h25
